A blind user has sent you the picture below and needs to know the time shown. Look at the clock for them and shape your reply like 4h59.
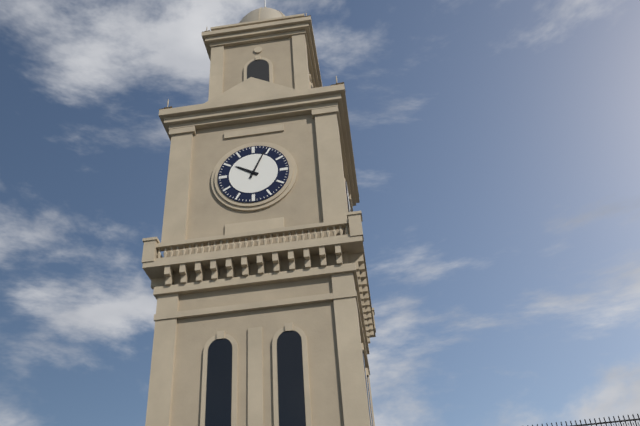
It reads 10h04
